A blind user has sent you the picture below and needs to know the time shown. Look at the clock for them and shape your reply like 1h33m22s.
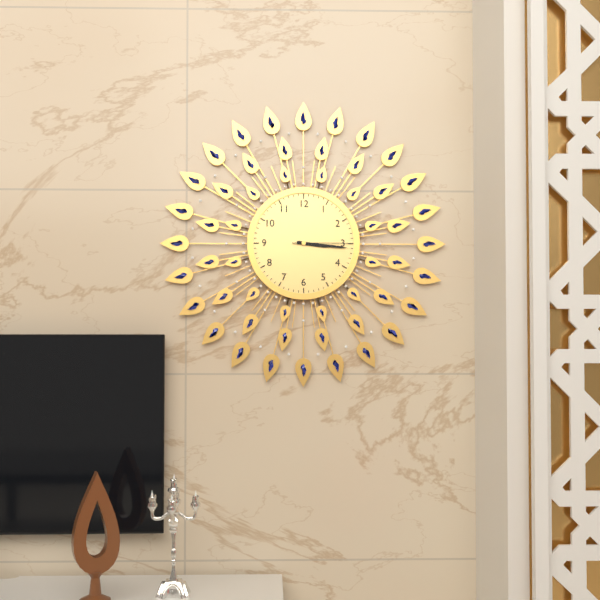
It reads 3h16m15s
